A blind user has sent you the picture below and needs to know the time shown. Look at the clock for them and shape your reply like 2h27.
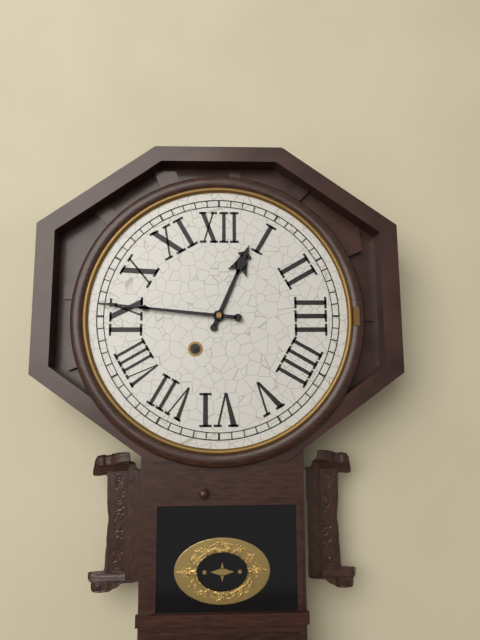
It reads 12h46
